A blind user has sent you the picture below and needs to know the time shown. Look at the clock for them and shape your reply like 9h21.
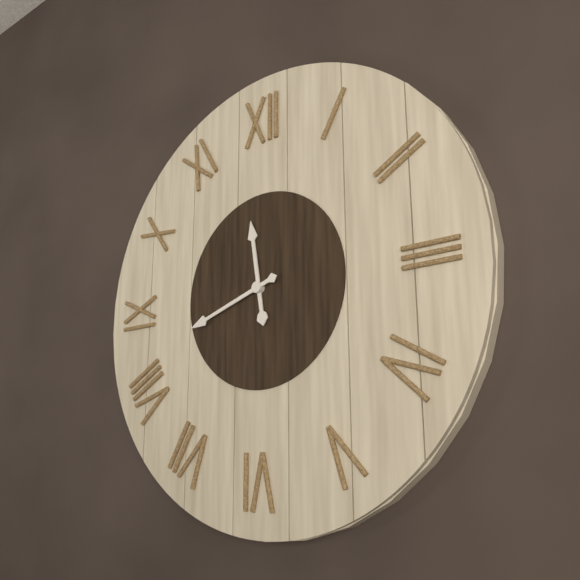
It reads 11h42
